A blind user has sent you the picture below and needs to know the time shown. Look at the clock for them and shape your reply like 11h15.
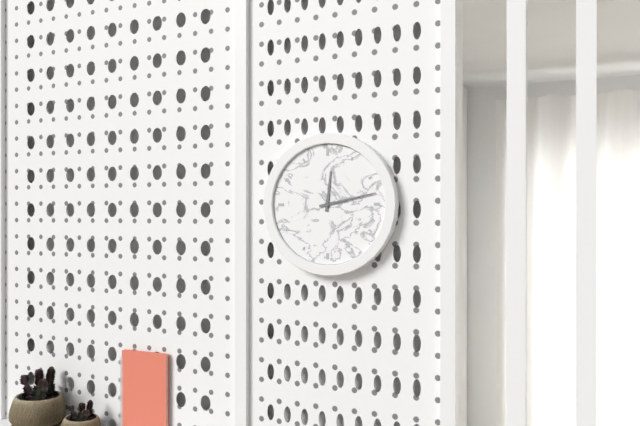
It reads 12h13
